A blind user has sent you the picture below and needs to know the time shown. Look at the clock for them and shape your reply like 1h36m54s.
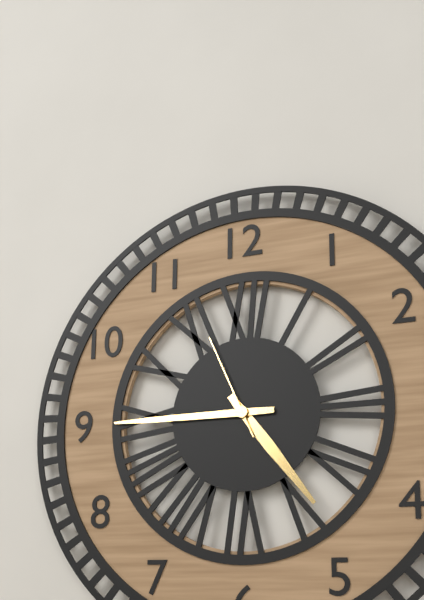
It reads 4h45m56s
